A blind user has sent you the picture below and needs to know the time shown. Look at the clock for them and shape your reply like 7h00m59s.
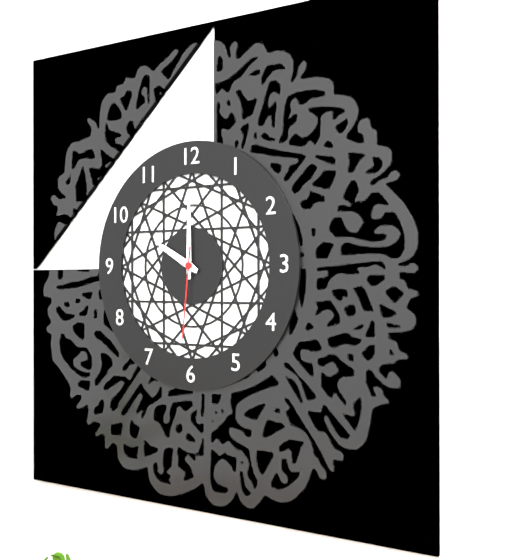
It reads 10h00m31s
